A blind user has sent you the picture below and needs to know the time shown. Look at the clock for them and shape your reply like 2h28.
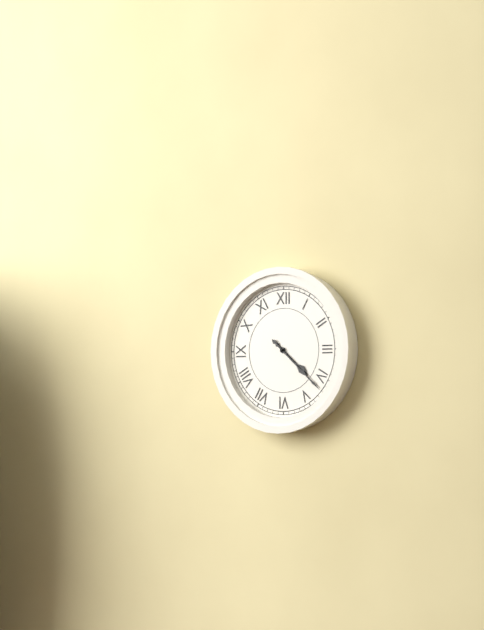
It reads 4h22
